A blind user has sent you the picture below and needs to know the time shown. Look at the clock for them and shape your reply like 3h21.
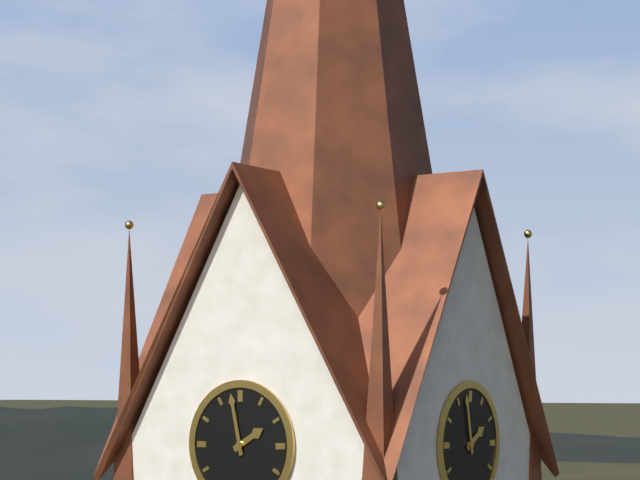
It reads 1h58
